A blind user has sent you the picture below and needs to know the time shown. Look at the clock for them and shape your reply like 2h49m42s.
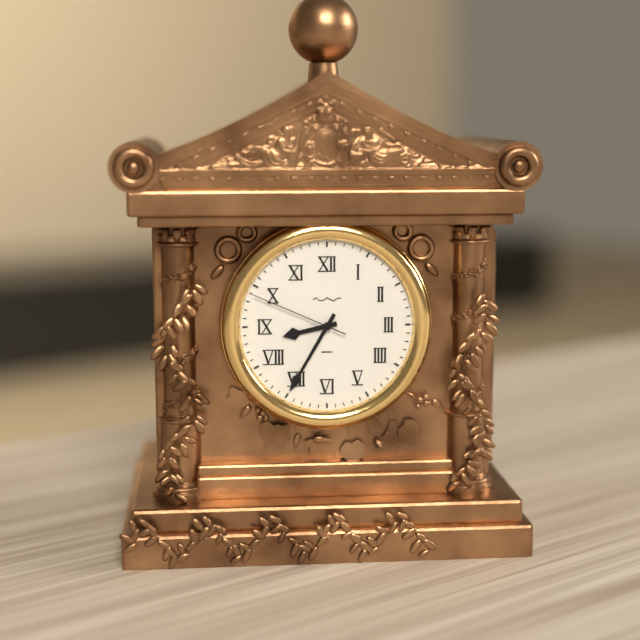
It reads 8h35m49s
